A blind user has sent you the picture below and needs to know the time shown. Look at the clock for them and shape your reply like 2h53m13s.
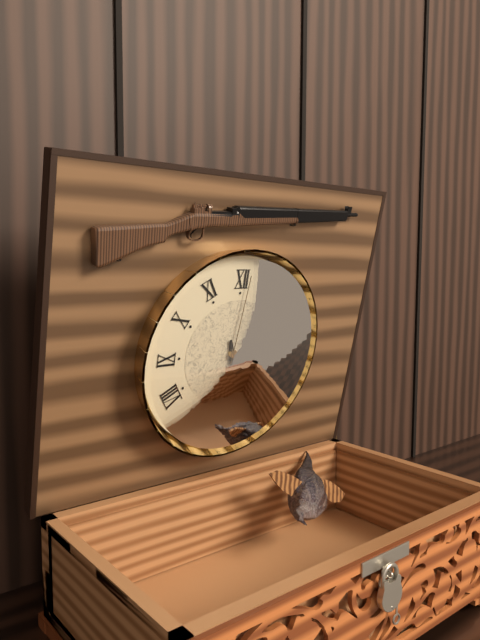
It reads 5h27m01s
